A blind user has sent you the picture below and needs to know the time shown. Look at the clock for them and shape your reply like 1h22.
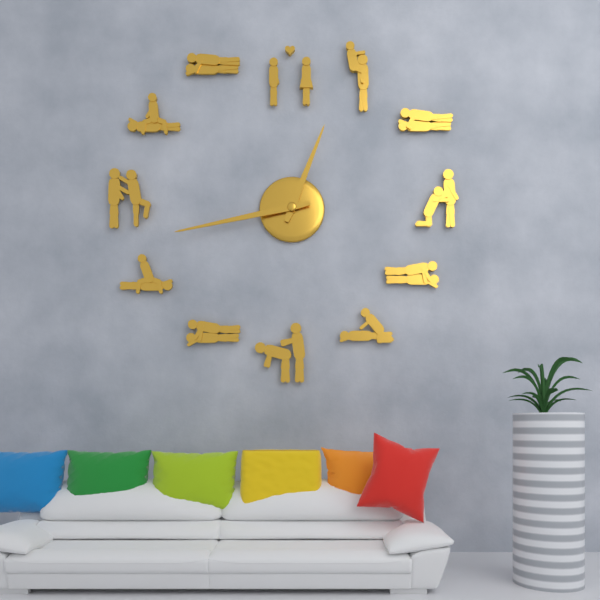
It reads 12h43
